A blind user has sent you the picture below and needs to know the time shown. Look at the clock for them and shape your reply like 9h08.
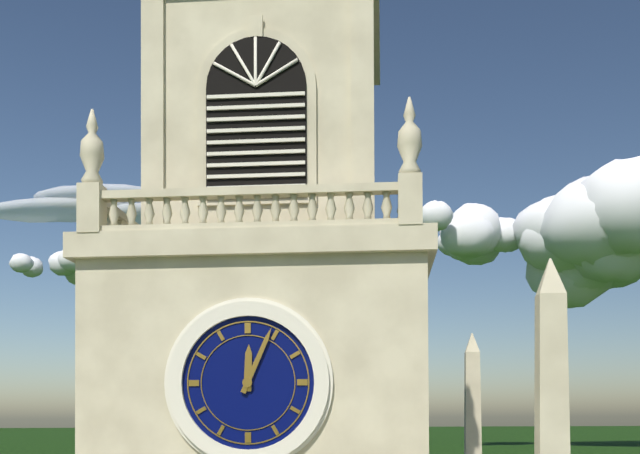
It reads 12h04
